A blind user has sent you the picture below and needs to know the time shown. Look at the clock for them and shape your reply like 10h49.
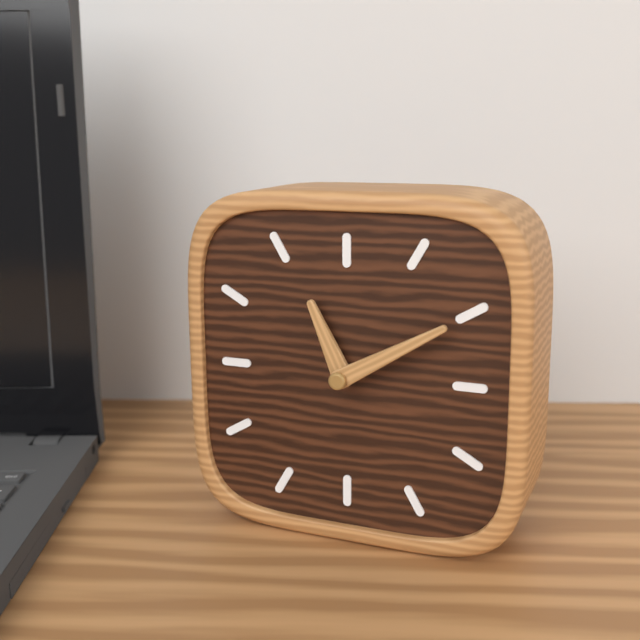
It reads 11h10
